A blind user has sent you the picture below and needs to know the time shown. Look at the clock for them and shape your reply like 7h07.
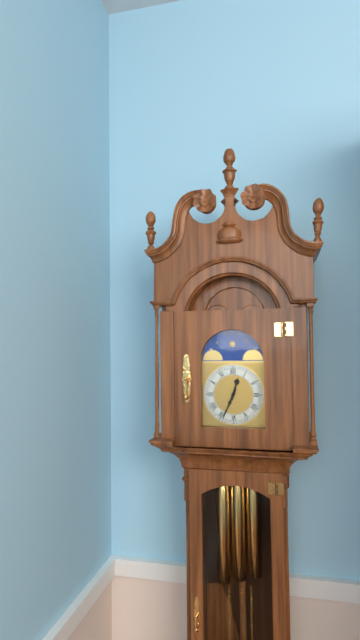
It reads 12h34
